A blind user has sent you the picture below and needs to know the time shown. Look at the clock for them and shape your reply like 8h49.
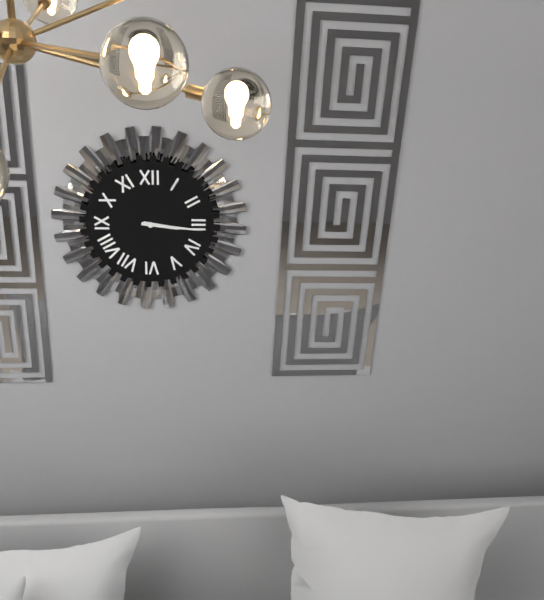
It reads 3h16
